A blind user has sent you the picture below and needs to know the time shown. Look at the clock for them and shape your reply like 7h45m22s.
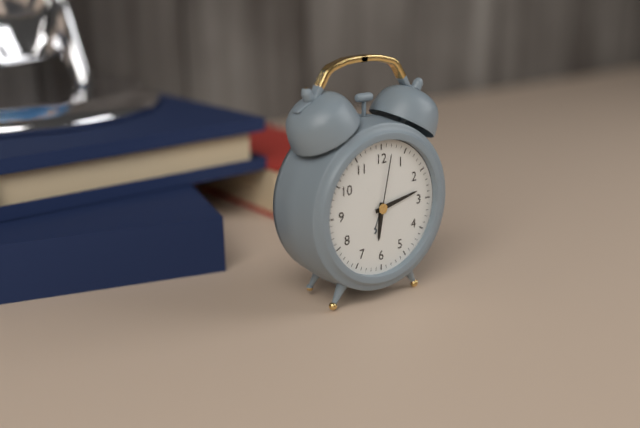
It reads 6h13m02s
